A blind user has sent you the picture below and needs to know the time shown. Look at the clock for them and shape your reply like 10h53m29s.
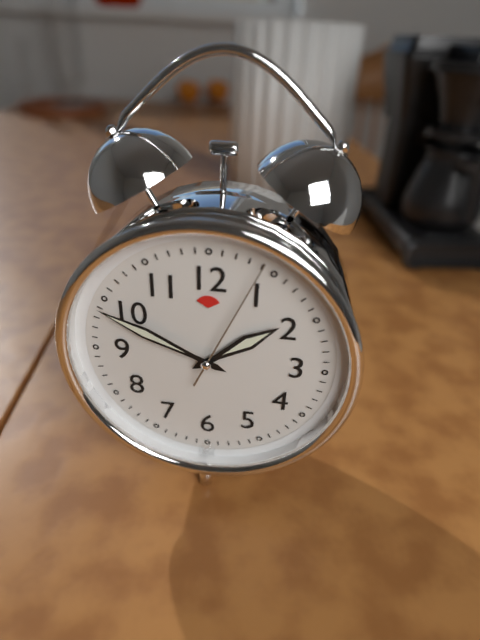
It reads 1h49m04s
